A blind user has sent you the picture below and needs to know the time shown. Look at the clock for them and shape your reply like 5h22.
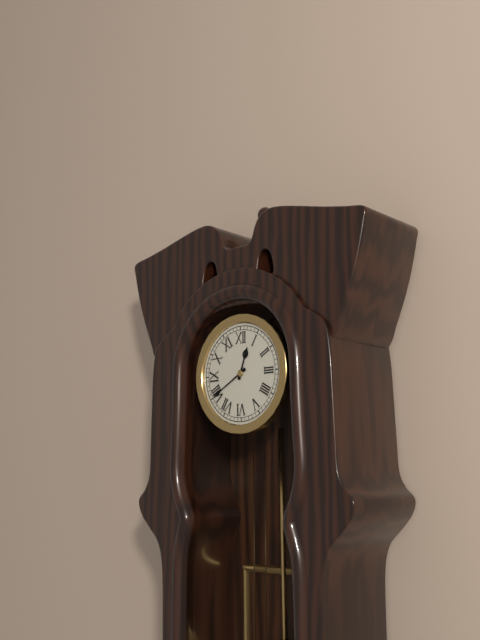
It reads 12h40
